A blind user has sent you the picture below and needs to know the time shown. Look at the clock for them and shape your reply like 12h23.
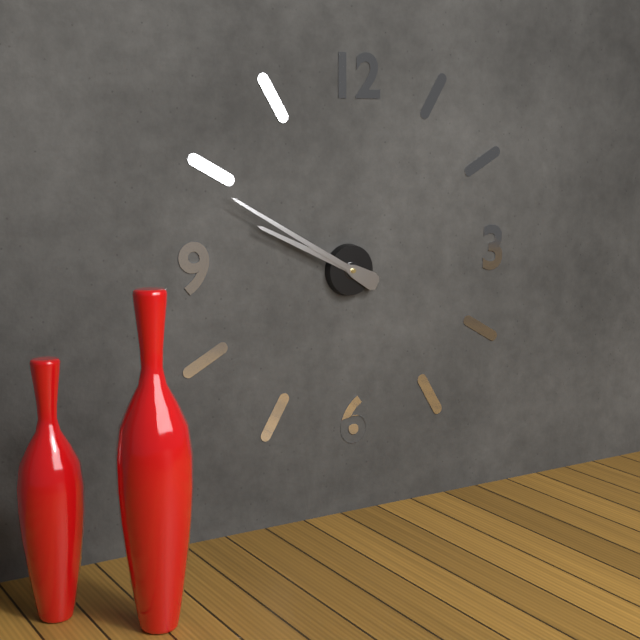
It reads 9h50
